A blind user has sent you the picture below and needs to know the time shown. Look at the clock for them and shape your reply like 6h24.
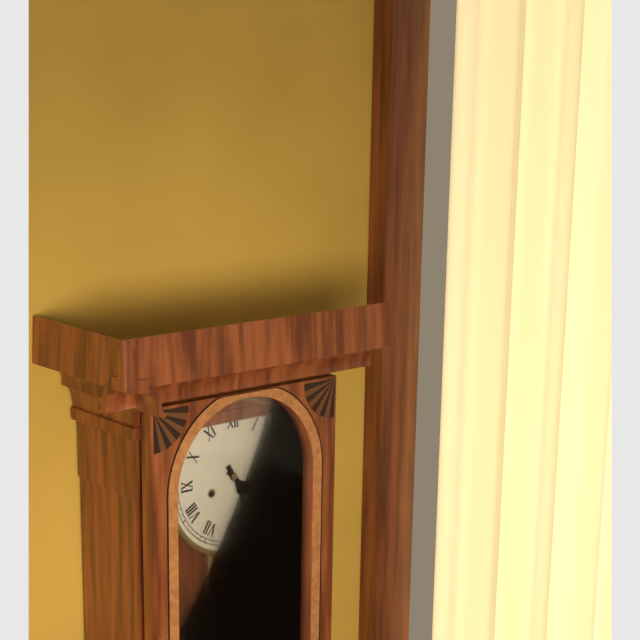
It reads 4h25
